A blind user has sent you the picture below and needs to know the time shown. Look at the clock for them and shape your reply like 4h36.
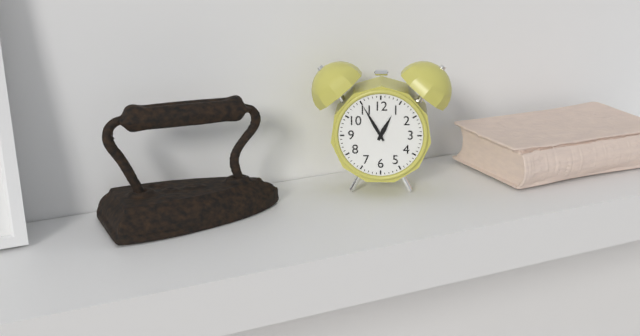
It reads 12h55
